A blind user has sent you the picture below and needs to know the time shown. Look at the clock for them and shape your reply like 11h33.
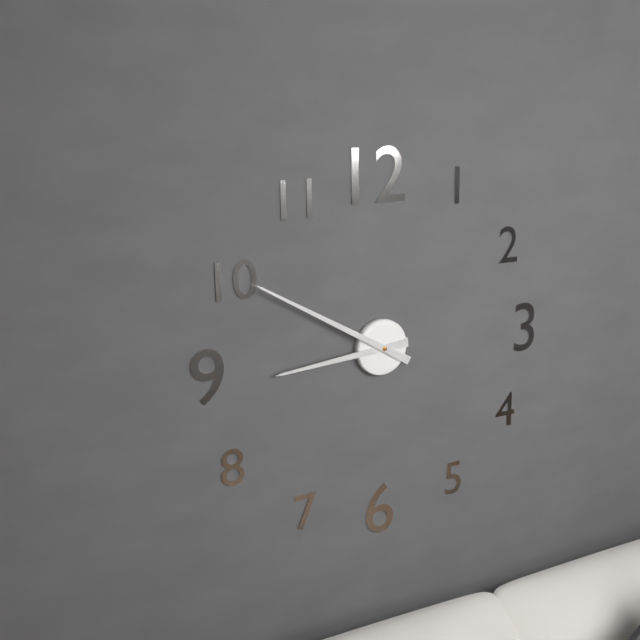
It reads 8h50
